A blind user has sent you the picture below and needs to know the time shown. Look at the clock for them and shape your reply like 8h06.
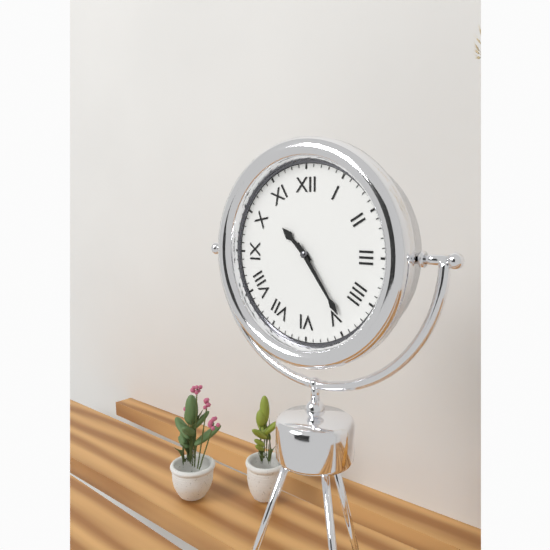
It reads 10h24
